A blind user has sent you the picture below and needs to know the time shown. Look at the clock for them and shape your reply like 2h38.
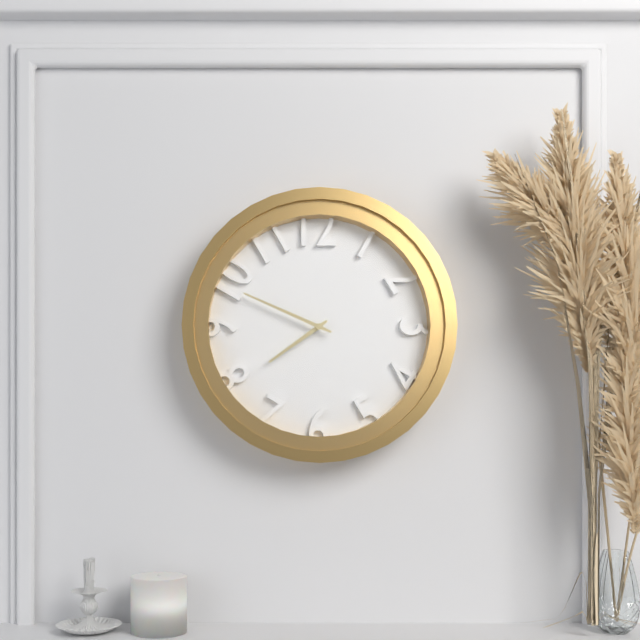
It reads 7h49
